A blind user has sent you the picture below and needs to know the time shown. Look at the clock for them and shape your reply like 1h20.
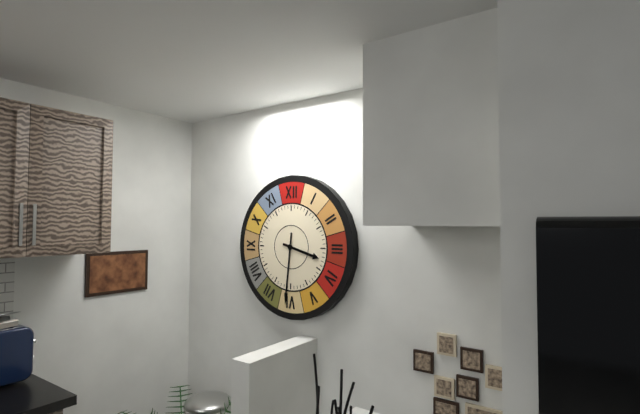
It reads 3h31
